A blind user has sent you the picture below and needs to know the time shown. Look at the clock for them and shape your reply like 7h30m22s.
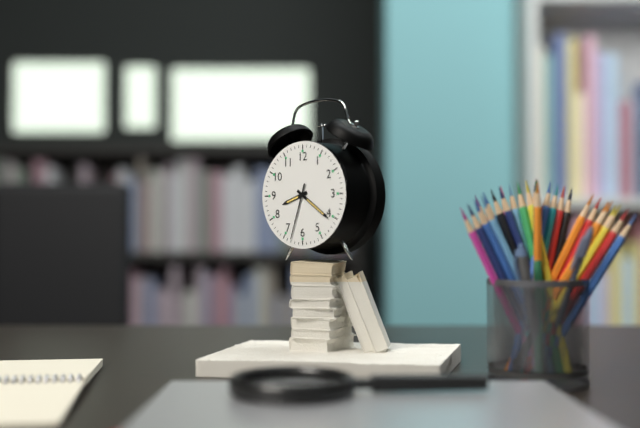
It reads 8h21m33s
